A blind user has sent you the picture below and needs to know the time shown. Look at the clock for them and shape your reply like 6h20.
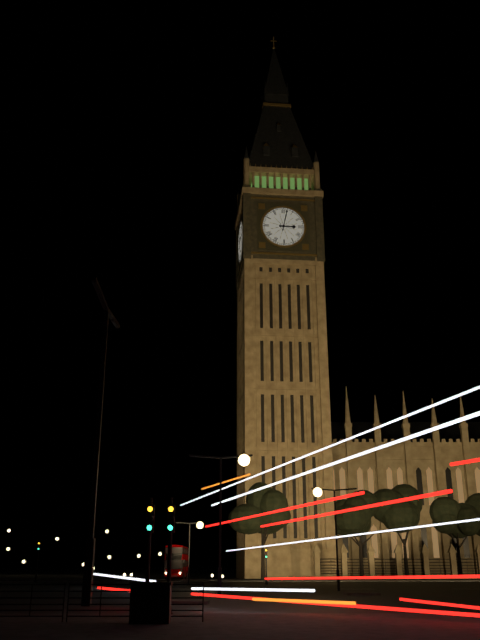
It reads 3h02
